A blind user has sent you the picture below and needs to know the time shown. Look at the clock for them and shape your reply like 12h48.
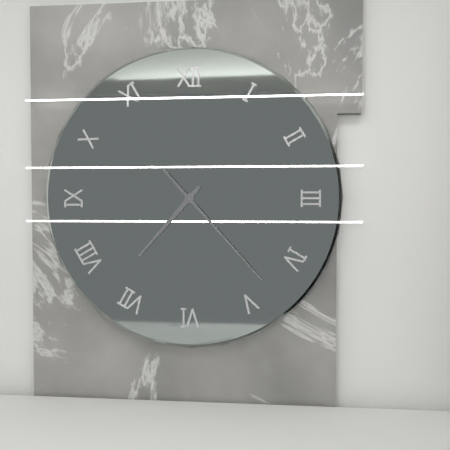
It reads 7h23
